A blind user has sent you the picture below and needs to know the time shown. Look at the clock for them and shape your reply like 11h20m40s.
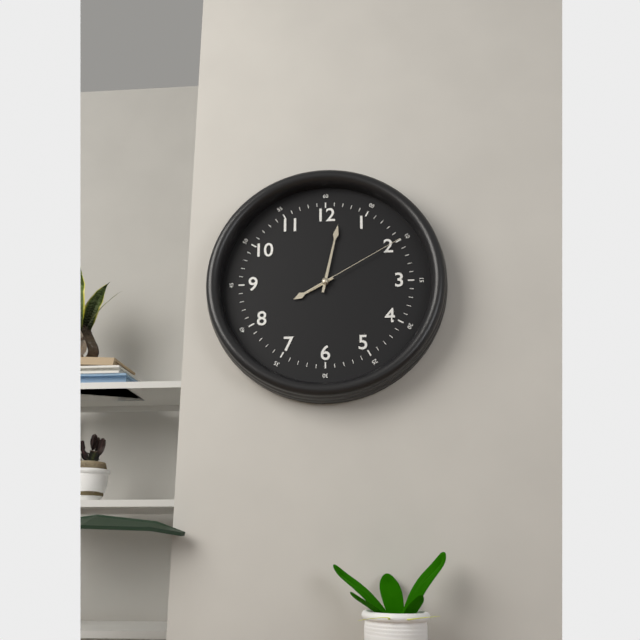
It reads 8h02m10s
